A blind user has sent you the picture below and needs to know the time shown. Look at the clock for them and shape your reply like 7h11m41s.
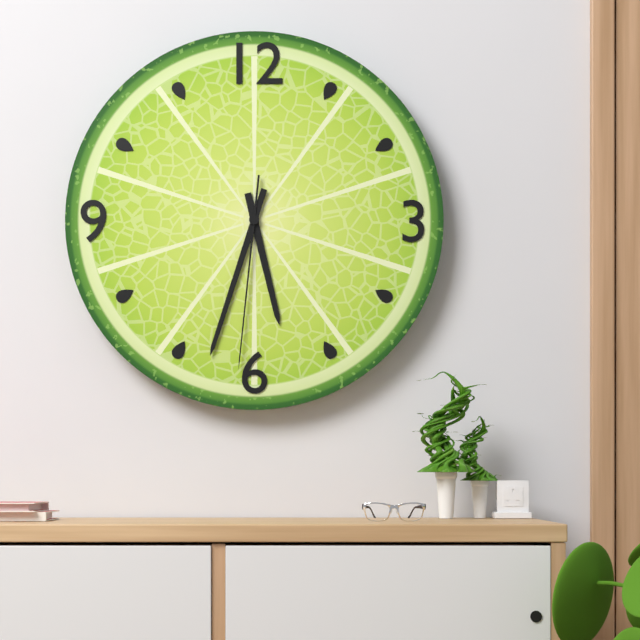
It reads 5h33m31s
